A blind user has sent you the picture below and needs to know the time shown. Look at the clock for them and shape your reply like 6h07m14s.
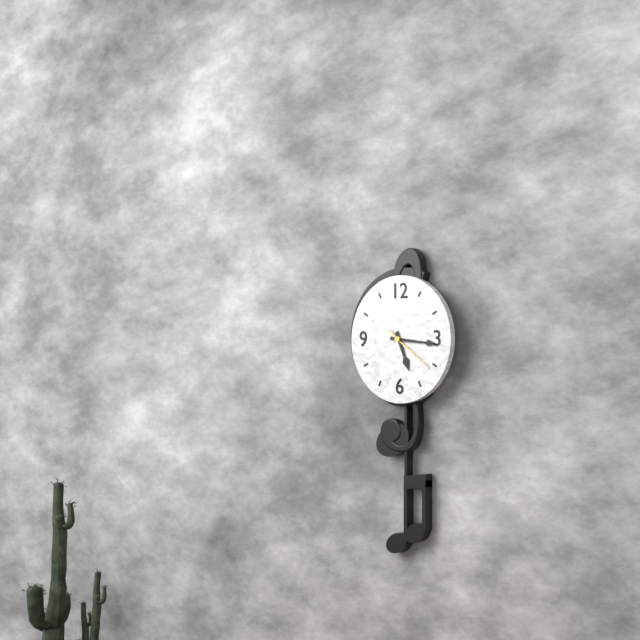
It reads 5h16m21s
